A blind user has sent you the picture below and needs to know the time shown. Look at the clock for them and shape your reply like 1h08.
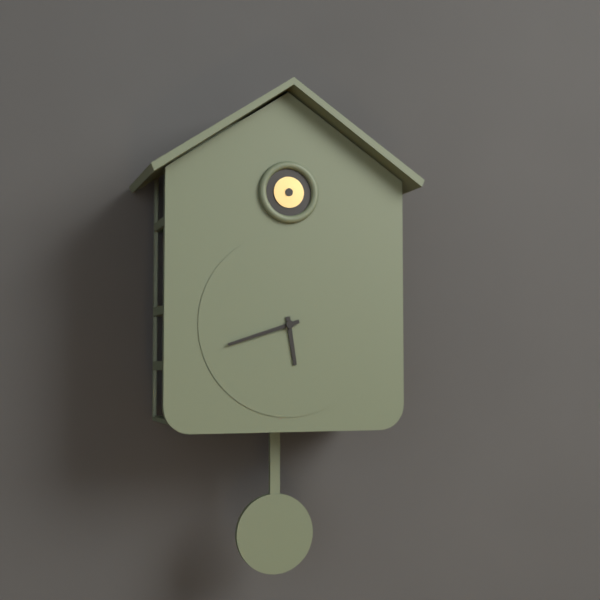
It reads 5h42
